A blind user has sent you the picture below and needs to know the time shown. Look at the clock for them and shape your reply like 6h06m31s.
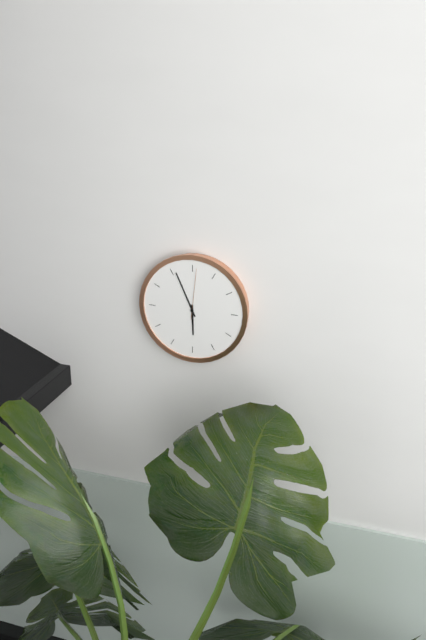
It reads 5h56m01s
